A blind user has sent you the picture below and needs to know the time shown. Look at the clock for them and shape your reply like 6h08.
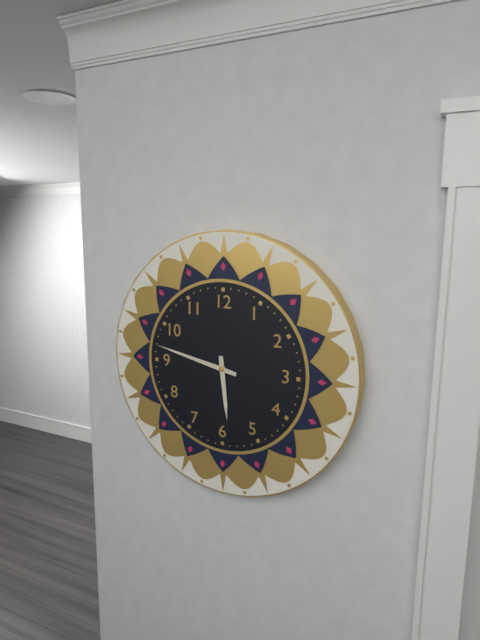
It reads 5h47
